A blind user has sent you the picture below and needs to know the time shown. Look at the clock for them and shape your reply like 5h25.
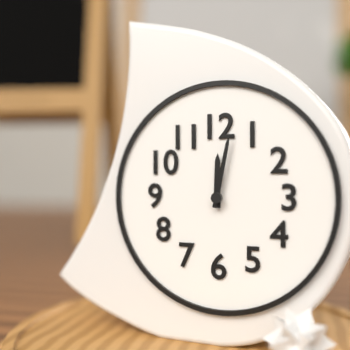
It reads 12h02
